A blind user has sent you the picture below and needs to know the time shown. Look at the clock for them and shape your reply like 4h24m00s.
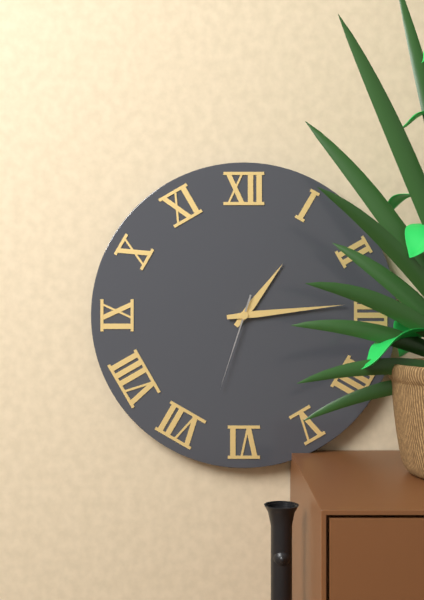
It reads 1h14m33s
